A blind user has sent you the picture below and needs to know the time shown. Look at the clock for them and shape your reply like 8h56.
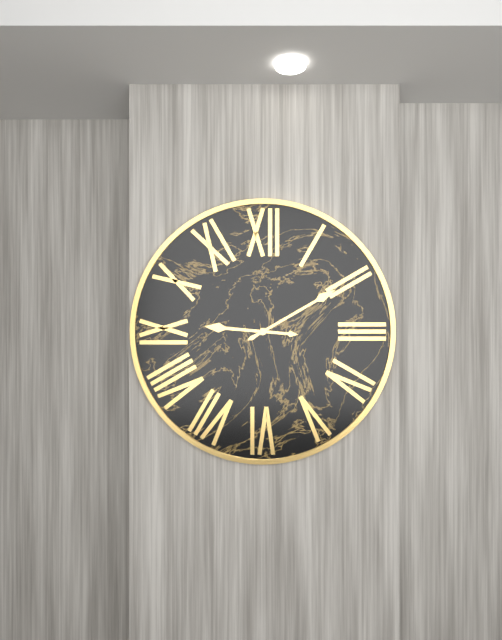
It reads 9h10
